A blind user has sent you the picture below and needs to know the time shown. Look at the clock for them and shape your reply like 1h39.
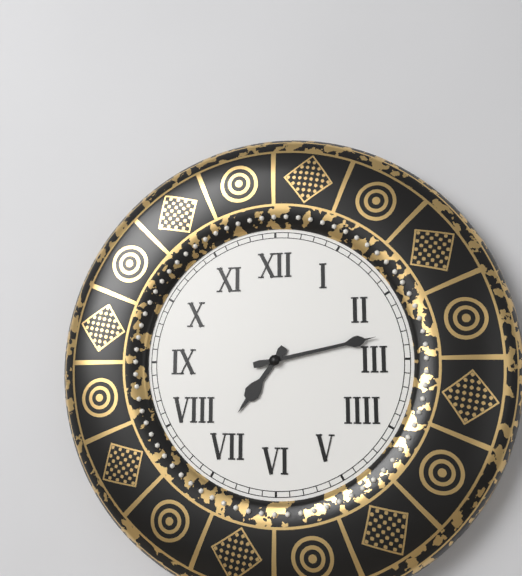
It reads 7h13
